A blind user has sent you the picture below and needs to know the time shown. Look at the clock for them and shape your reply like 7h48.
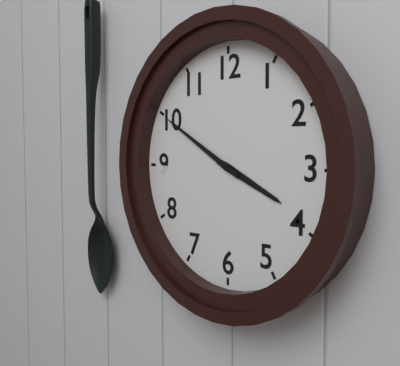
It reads 3h50
